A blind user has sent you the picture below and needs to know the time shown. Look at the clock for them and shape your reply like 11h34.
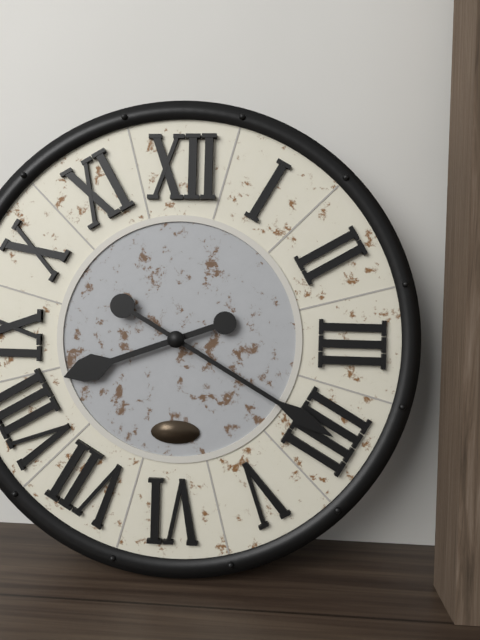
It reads 8h20
